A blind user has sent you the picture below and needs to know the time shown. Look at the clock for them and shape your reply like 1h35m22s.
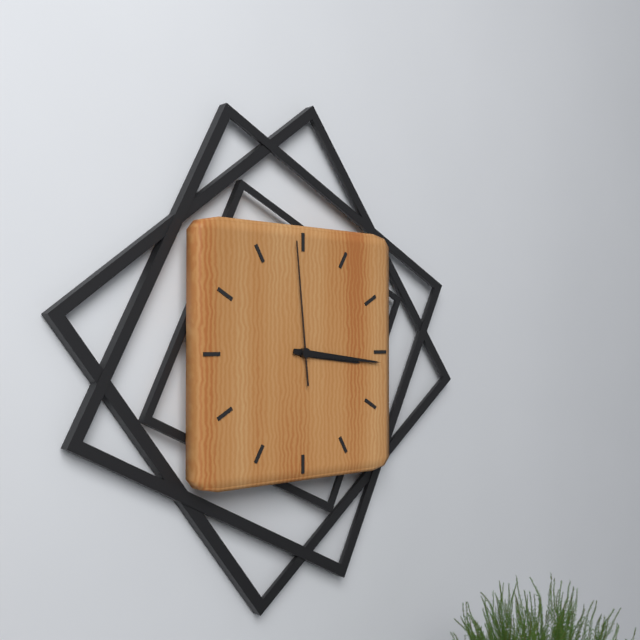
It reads 3h16m59s
